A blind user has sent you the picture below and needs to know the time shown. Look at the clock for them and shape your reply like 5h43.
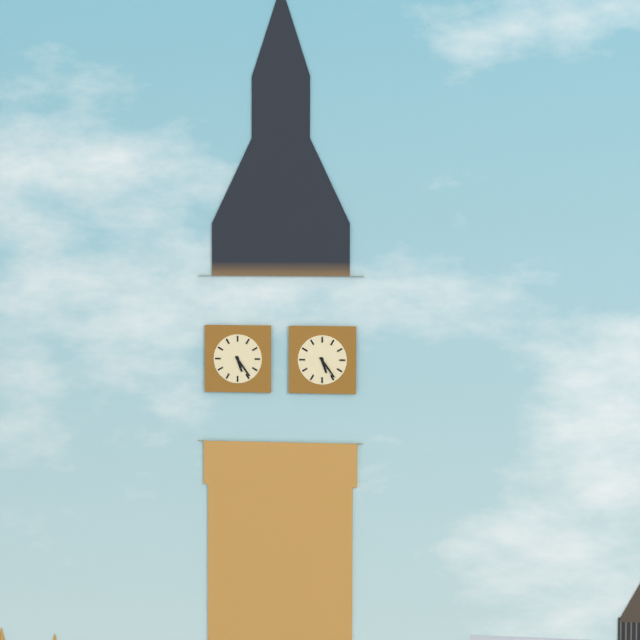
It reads 5h24
